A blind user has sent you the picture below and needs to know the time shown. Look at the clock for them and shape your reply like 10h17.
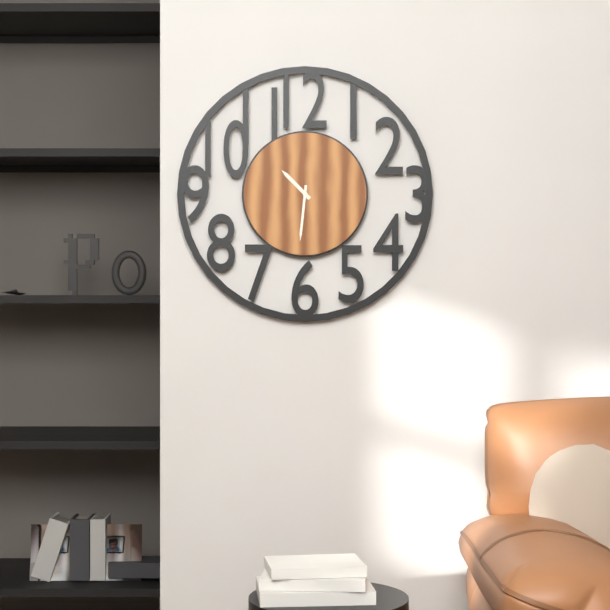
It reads 10h31
